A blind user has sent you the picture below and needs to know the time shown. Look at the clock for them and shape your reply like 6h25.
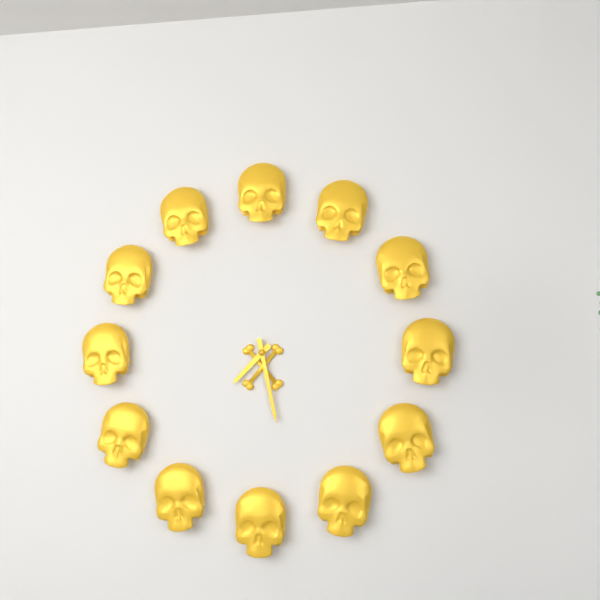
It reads 7h28
